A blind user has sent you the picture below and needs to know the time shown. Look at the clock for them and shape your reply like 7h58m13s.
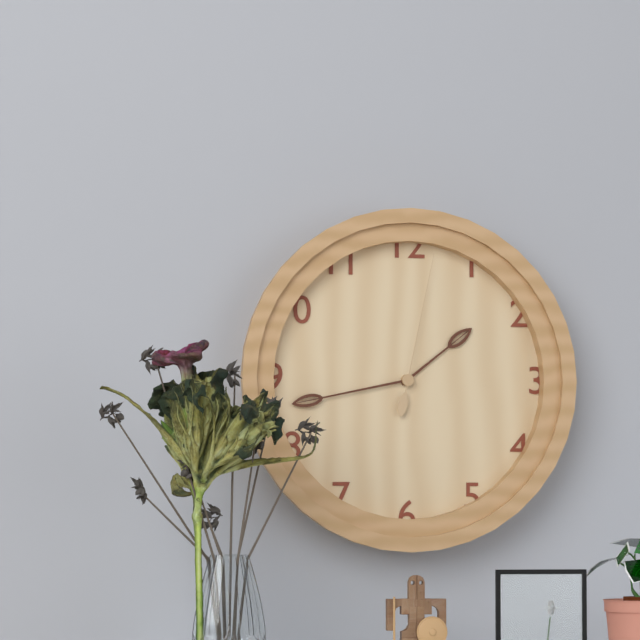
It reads 1h43m02s
